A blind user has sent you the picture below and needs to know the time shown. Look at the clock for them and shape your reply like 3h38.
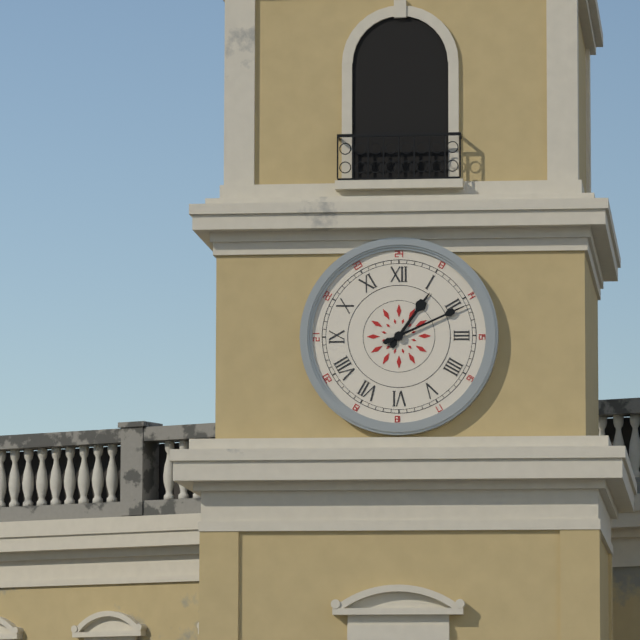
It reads 1h11
